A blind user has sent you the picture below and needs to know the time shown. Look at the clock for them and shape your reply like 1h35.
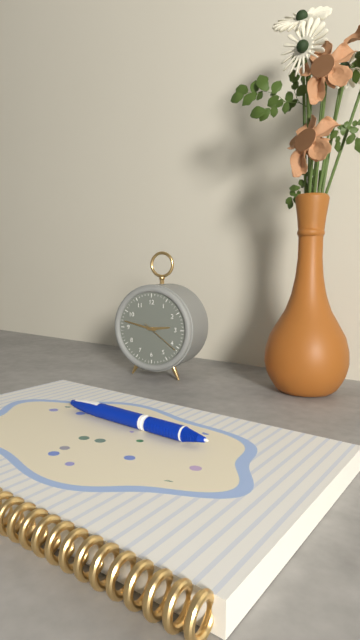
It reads 2h47
